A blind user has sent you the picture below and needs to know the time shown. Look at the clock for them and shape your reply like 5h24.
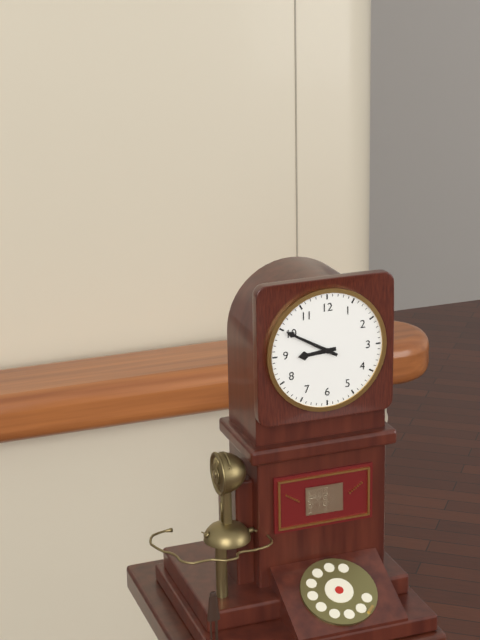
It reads 8h50
